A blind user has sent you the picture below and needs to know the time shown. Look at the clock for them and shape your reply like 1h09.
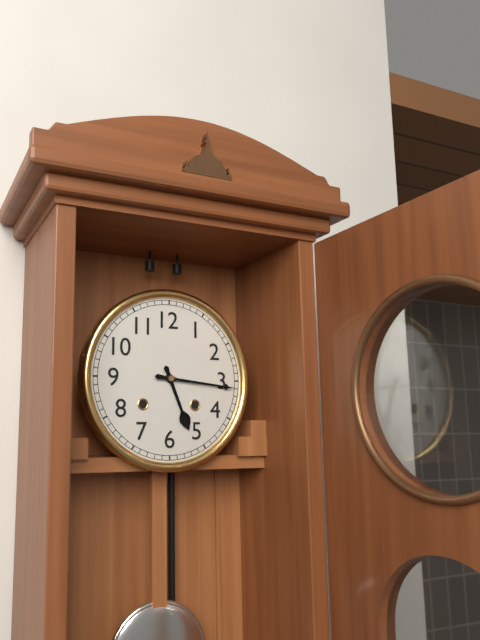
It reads 5h16
